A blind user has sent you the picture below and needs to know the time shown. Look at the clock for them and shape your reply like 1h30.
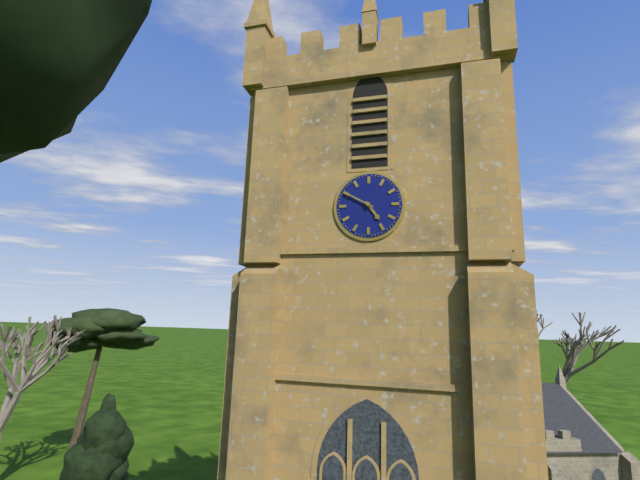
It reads 4h50
